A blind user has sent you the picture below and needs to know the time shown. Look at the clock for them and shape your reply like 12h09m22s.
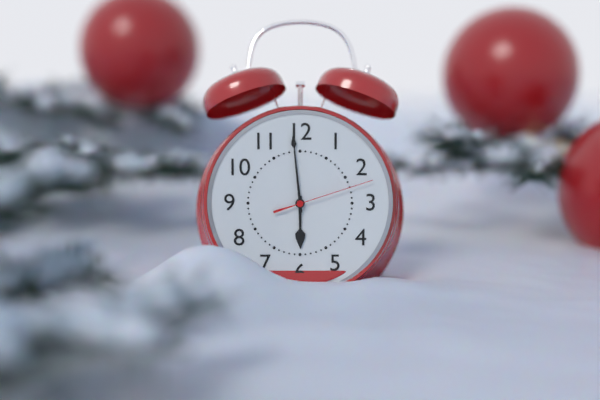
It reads 5h59m12s
